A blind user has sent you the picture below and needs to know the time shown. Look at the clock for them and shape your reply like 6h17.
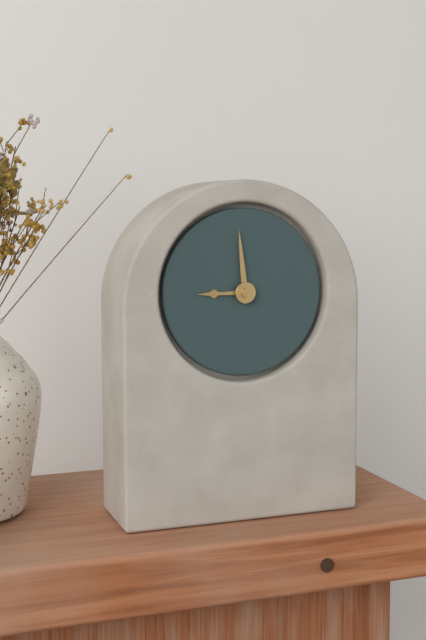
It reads 8h59
